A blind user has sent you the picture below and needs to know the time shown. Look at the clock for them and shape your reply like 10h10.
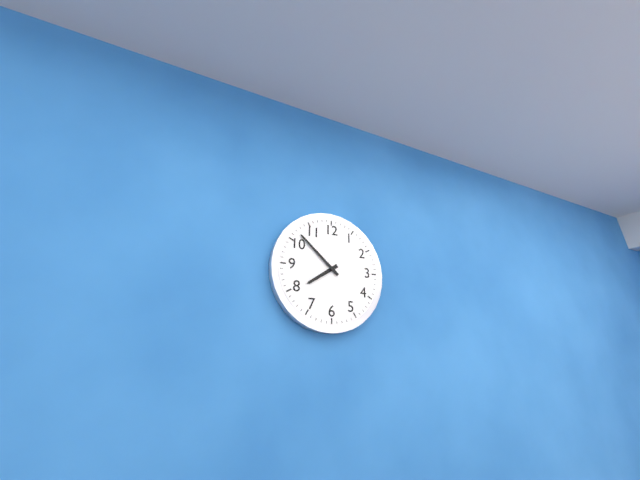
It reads 7h52
